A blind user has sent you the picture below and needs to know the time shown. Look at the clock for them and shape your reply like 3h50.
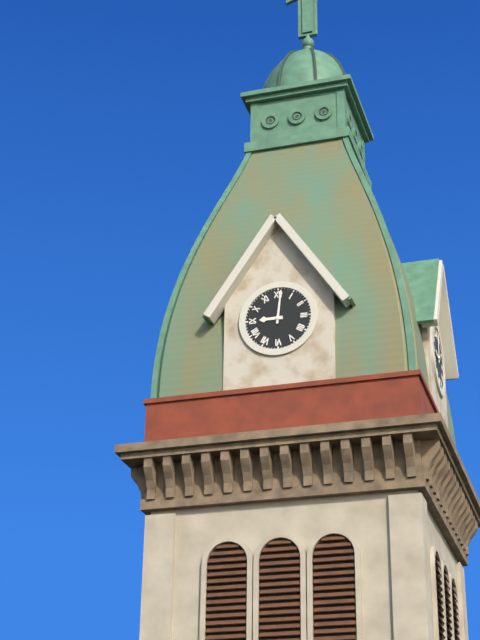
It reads 9h01
